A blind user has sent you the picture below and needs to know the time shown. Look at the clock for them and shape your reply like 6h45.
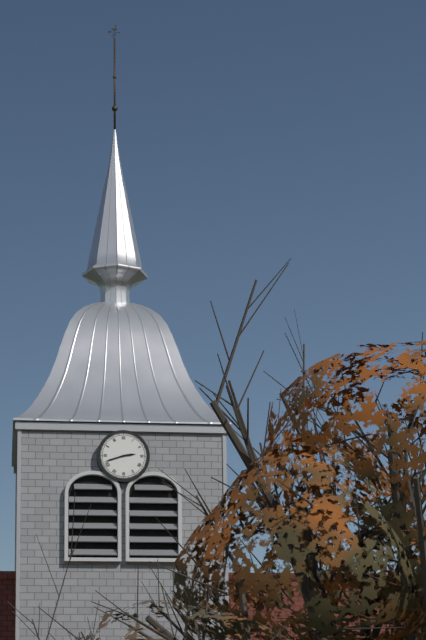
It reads 2h42
